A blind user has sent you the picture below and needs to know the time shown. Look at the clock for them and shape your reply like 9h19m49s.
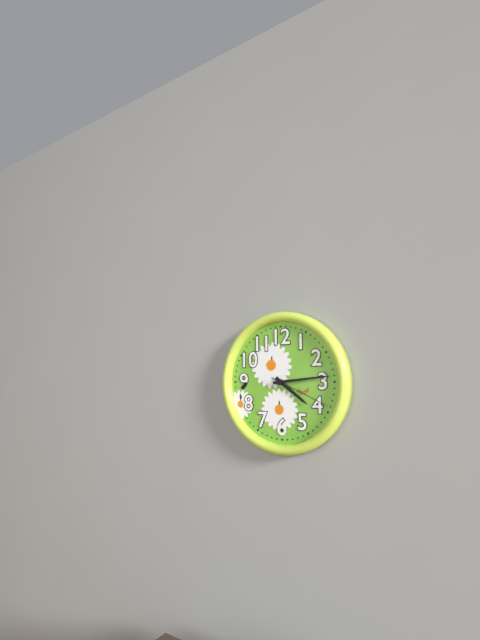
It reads 4h14m19s
